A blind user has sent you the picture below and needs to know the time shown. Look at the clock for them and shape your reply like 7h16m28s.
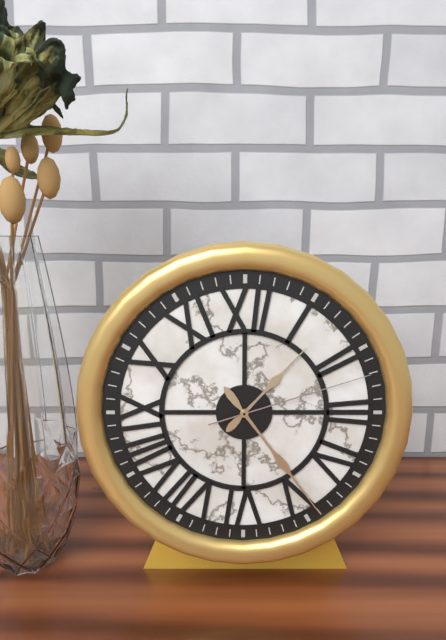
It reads 1h24m12s
